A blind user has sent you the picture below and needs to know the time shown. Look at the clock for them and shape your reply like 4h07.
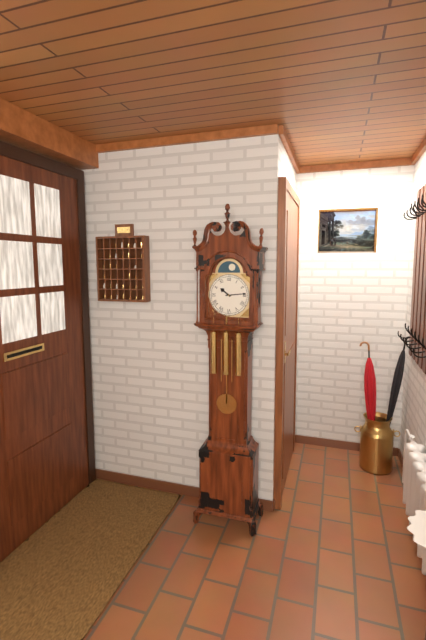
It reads 10h14
